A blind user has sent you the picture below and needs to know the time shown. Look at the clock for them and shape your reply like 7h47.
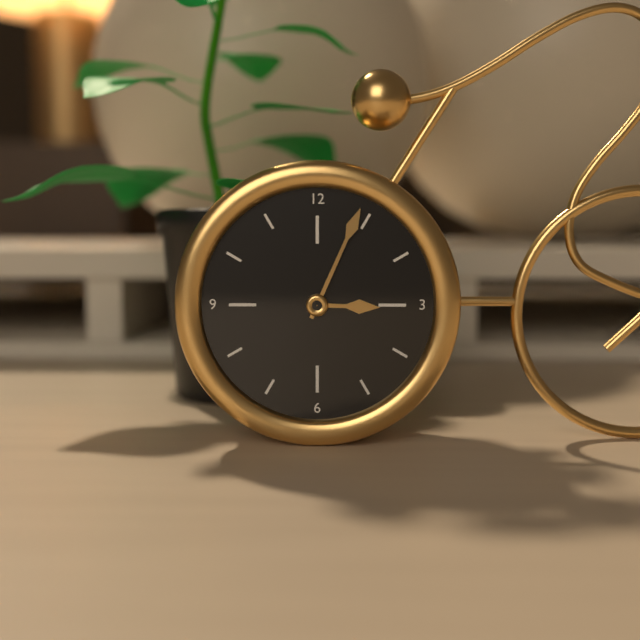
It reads 3h04
